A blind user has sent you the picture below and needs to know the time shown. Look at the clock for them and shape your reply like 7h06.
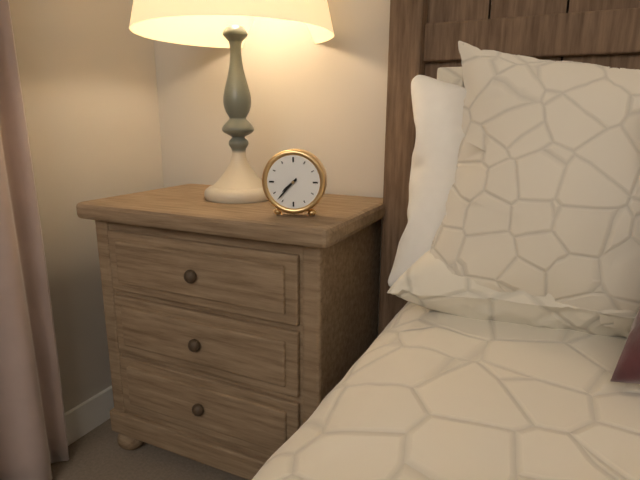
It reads 7h37
